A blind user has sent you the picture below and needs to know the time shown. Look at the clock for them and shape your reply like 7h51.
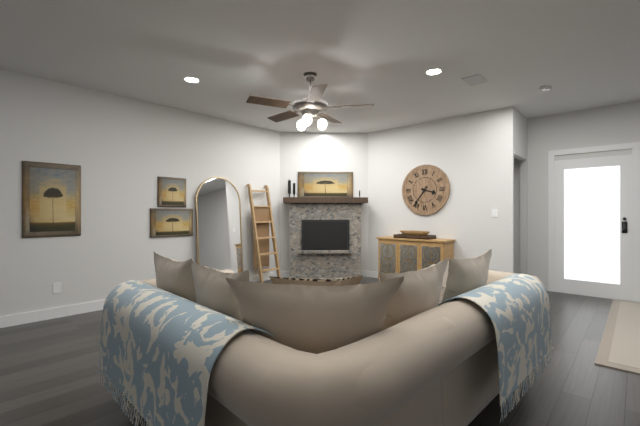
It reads 3h36
